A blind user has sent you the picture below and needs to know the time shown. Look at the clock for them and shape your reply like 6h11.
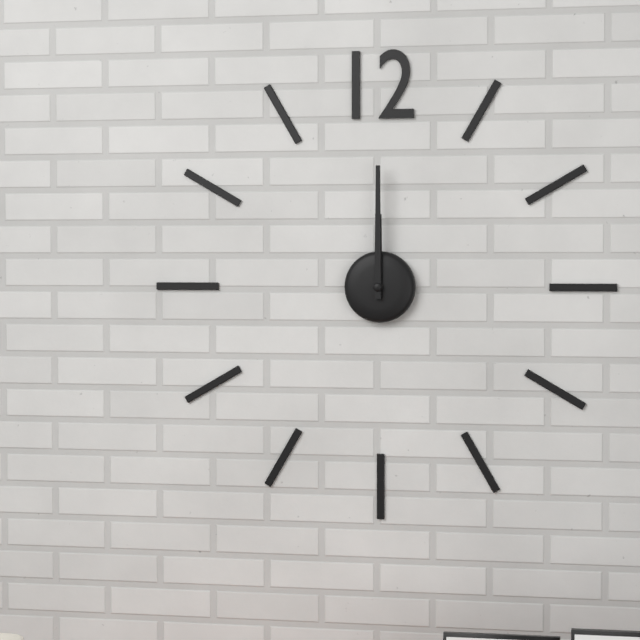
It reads 12h00
